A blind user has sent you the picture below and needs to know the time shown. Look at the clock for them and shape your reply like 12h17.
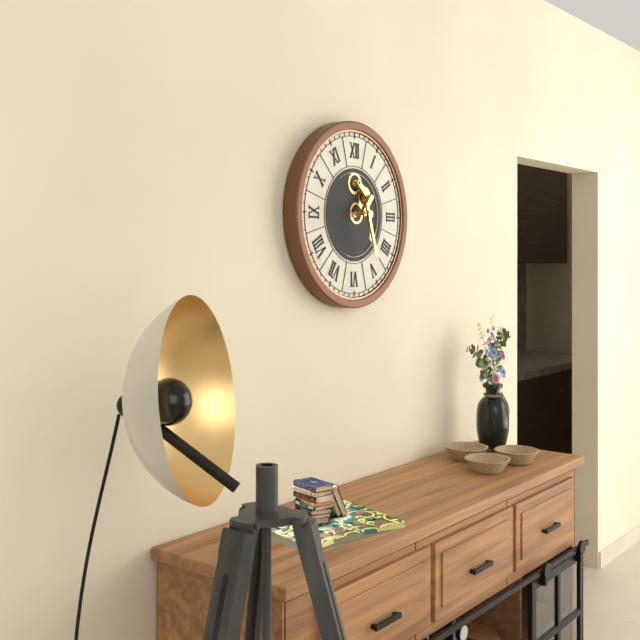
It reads 5h27
